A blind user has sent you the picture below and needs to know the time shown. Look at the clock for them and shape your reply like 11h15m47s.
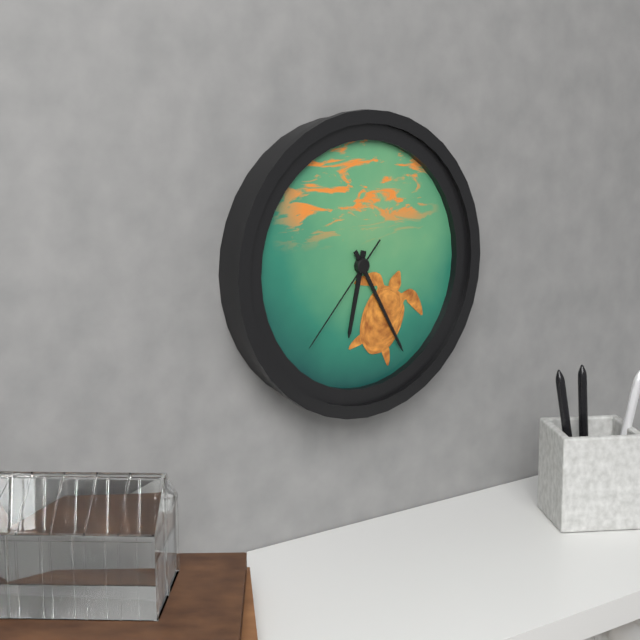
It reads 6h25m37s
